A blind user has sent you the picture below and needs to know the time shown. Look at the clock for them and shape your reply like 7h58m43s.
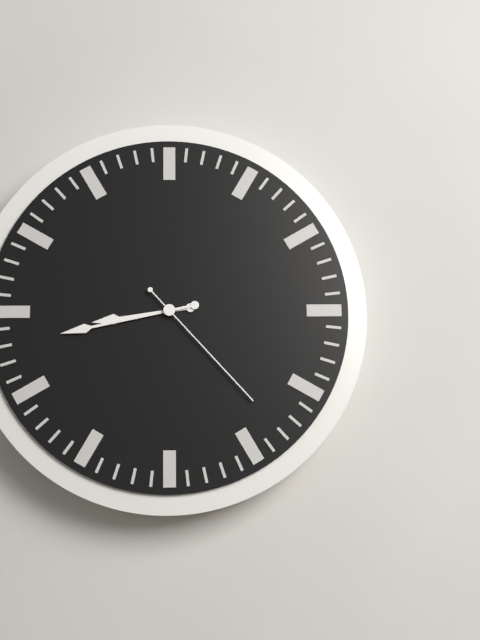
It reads 8h43m23s
